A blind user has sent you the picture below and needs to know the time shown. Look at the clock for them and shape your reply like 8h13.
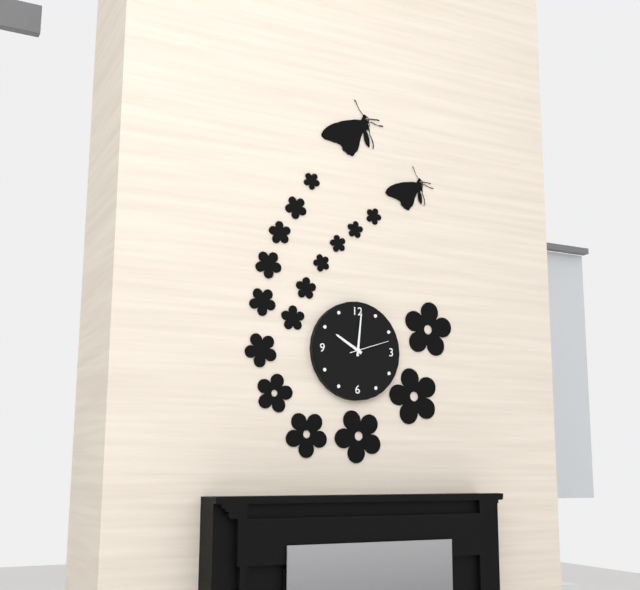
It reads 10h01
